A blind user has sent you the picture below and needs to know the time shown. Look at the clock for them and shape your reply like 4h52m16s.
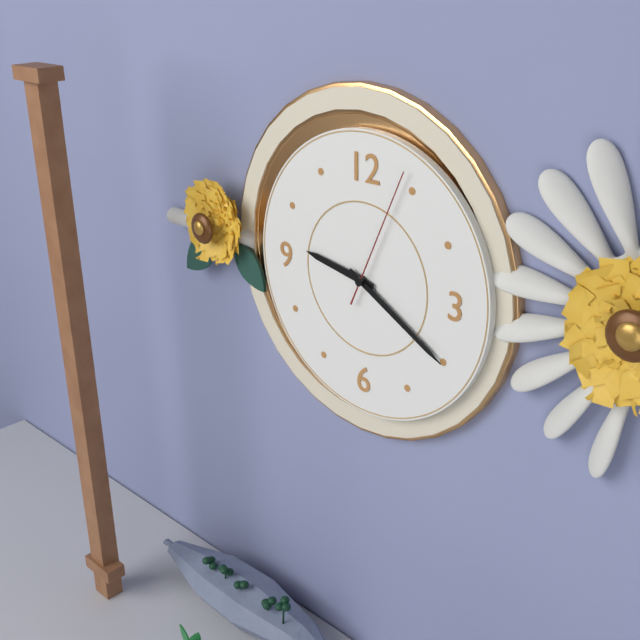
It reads 9h20m04s
